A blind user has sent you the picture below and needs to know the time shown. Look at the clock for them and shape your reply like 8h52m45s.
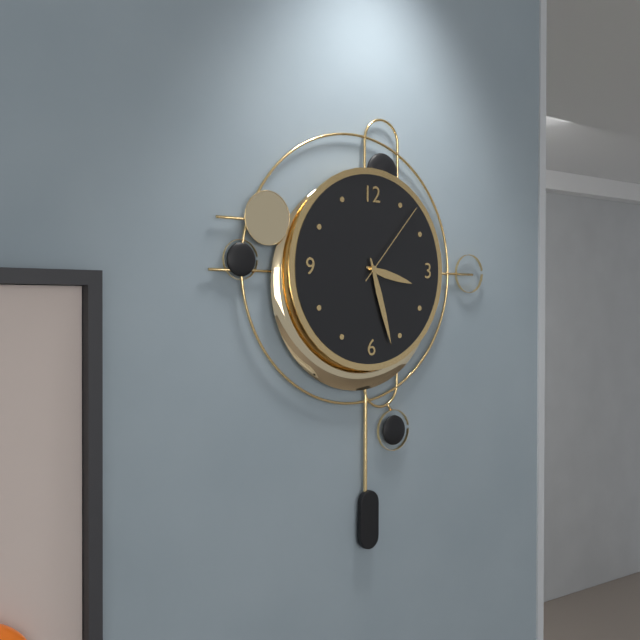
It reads 3h27m07s
